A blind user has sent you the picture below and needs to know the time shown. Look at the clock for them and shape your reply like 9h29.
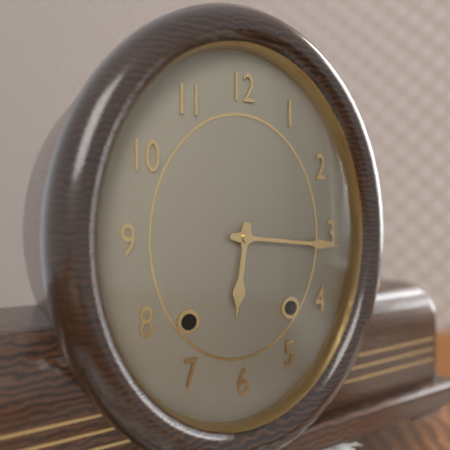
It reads 6h16
